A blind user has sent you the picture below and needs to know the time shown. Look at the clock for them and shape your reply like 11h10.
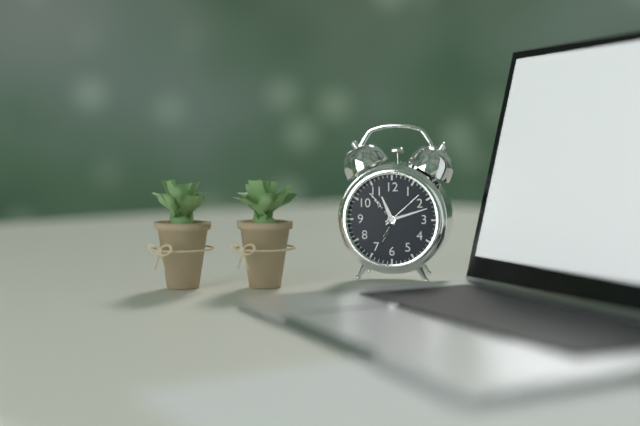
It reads 11h12
